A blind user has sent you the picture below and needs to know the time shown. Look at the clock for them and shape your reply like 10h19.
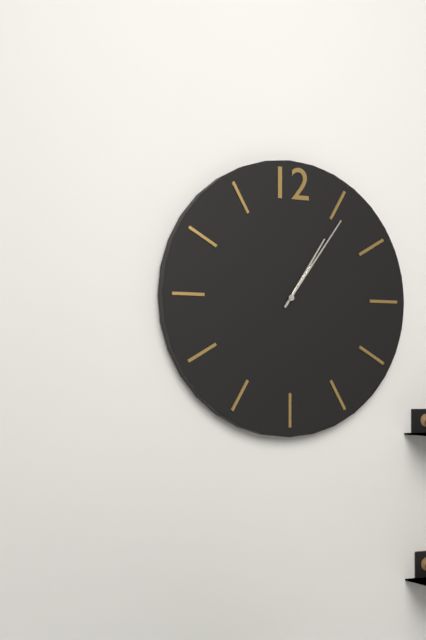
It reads 1h06
